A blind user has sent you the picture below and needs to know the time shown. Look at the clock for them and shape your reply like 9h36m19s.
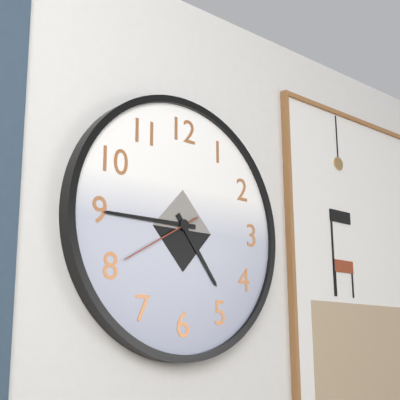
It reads 4h45m40s
